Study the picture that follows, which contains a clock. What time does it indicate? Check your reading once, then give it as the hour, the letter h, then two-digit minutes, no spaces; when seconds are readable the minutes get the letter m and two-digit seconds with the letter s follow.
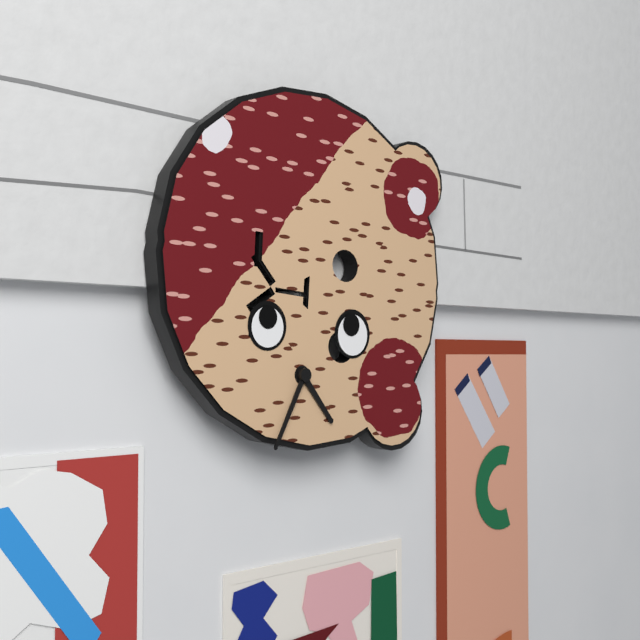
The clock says 4h34
